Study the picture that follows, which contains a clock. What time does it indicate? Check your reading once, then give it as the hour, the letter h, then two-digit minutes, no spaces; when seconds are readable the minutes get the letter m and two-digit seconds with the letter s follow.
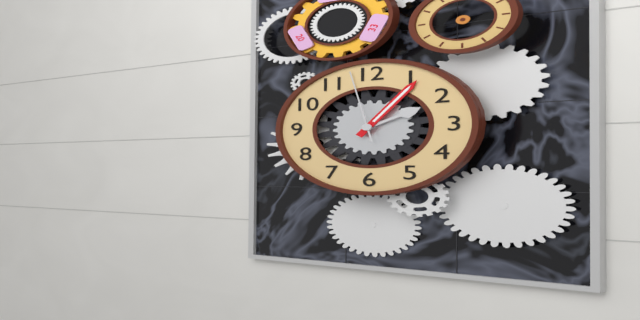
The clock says 2h06m58s
